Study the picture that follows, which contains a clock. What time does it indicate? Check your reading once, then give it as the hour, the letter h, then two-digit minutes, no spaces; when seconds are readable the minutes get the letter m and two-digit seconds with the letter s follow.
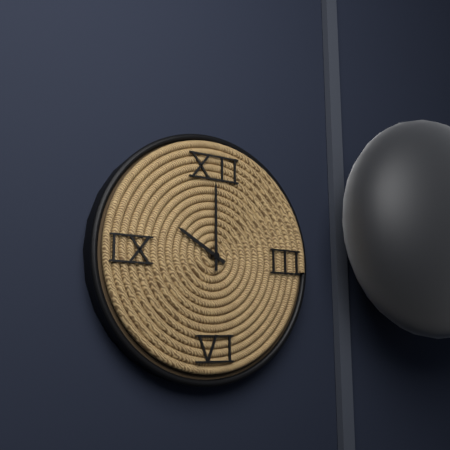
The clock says 10h00
